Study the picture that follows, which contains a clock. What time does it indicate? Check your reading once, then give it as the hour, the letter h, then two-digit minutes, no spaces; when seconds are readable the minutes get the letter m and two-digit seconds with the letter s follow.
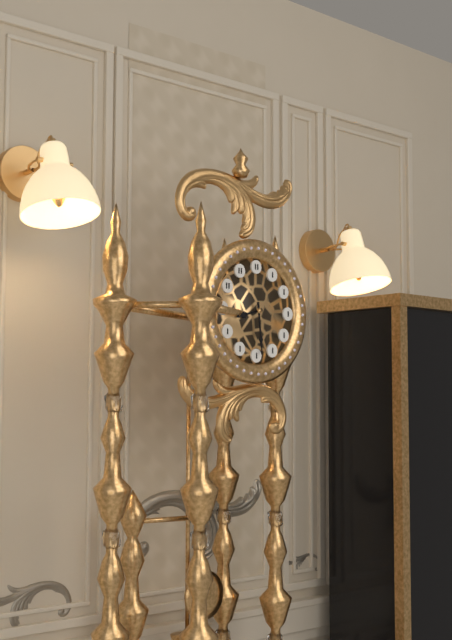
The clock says 8h29
